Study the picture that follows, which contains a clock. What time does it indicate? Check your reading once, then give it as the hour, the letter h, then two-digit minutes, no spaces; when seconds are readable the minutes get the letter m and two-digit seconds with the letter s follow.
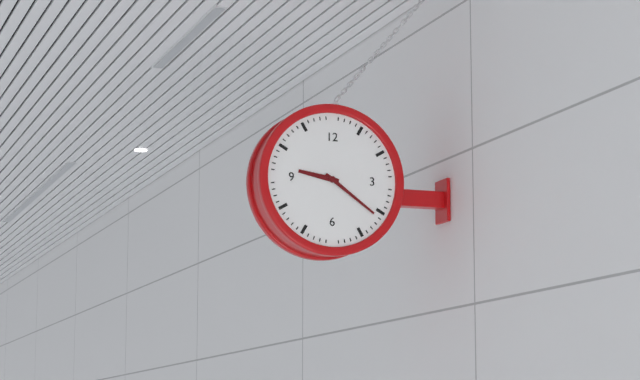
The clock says 9h21
